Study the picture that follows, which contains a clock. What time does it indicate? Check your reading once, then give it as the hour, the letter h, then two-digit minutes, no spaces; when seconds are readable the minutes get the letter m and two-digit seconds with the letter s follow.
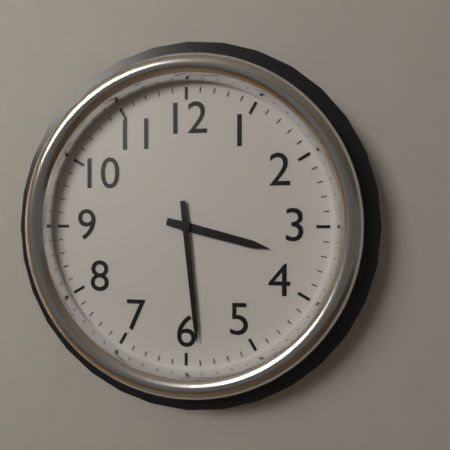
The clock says 3h29
